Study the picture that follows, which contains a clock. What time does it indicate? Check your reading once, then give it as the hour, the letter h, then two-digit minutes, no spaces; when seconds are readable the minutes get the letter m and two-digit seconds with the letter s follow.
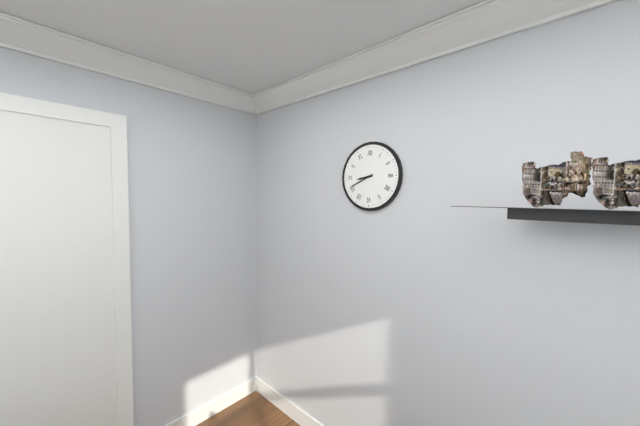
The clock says 8h41
